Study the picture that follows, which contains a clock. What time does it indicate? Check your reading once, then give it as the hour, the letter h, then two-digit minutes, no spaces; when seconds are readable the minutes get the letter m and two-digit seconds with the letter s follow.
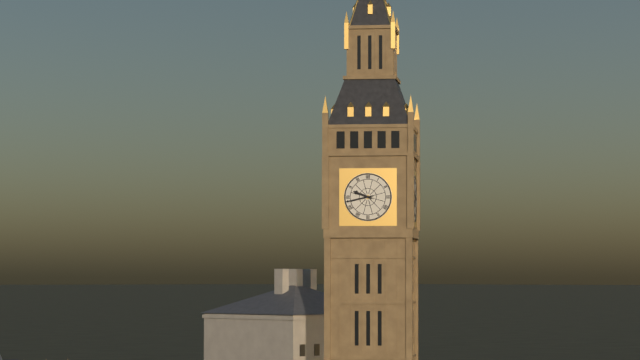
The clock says 9h43
